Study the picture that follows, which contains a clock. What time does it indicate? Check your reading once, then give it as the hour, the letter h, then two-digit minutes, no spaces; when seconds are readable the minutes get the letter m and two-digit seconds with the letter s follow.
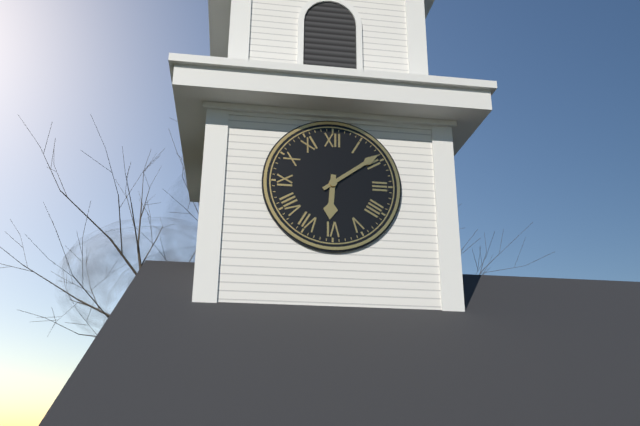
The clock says 6h09
